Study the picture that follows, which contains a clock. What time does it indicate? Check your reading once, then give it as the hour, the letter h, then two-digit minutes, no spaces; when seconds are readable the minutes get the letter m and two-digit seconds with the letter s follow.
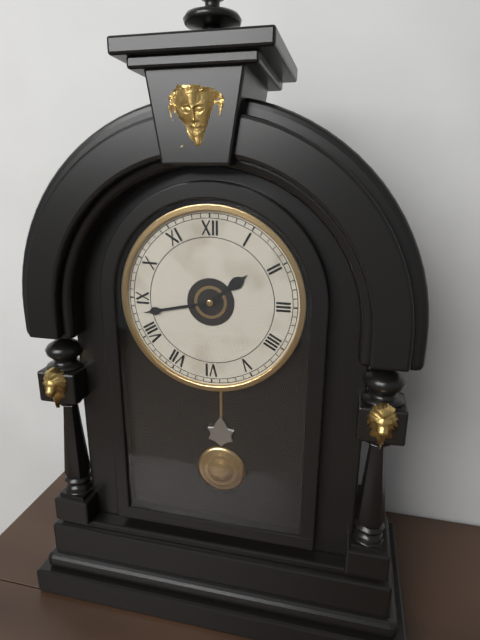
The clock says 1h43
